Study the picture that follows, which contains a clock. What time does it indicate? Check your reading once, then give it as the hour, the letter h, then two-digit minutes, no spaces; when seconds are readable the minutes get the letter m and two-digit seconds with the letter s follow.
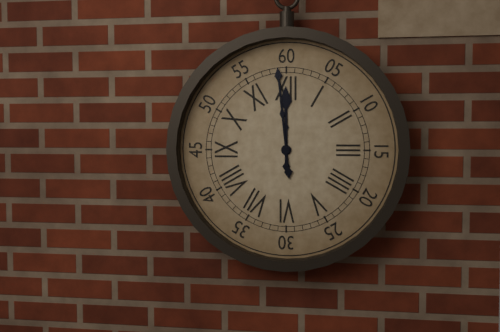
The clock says 11h59
